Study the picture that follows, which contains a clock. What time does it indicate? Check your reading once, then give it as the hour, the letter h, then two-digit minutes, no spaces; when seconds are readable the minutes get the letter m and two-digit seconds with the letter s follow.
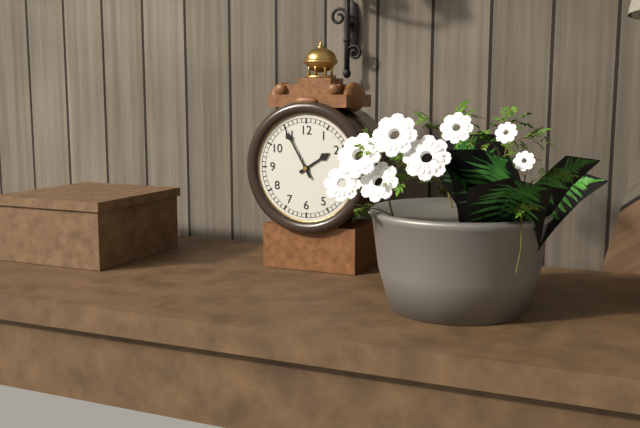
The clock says 1h55
